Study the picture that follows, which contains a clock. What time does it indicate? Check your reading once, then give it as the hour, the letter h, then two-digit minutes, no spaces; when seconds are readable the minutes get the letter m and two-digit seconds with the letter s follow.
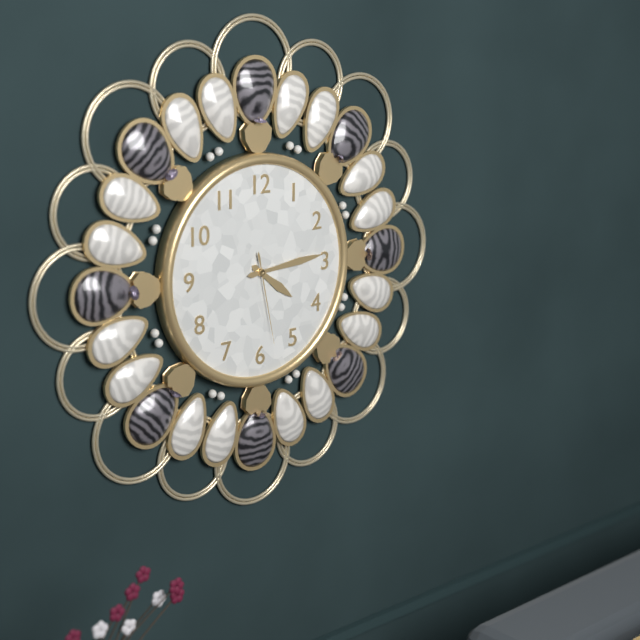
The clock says 4h14m28s
